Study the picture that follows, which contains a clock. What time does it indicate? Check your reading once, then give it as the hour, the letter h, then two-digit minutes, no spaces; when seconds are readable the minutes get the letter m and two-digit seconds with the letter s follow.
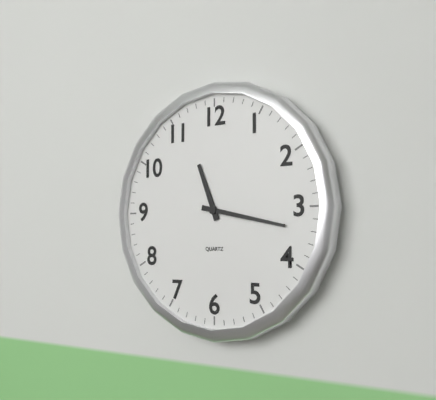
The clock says 11h17
